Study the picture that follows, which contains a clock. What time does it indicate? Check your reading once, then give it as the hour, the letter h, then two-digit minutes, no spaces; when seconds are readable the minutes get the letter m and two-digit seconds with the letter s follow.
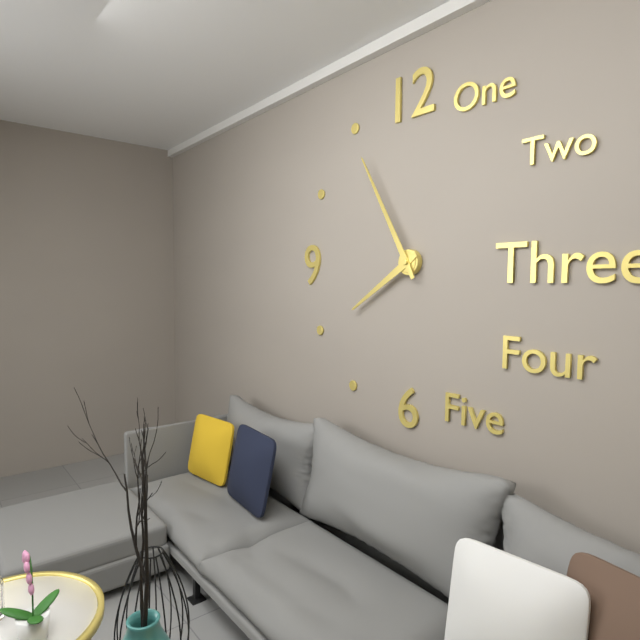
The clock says 7h55
